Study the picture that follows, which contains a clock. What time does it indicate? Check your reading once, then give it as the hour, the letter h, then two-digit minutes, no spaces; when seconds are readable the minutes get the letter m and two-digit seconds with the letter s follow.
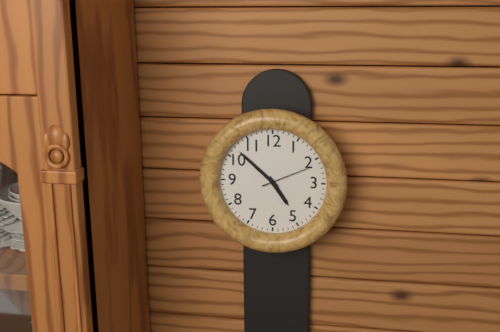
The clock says 4h52m11s
